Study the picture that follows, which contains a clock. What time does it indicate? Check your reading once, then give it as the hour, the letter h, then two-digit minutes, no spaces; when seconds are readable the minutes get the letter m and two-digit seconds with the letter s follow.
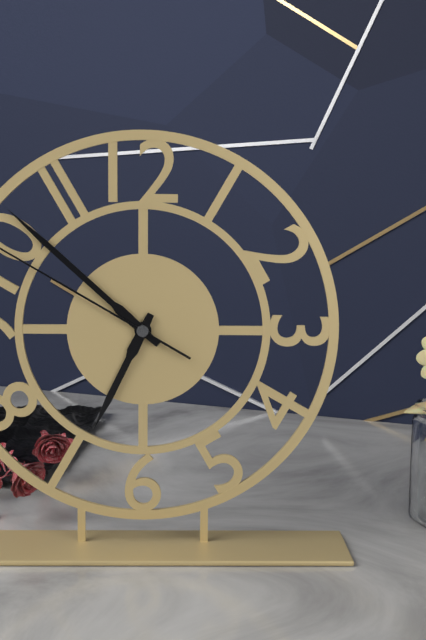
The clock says 6h52
